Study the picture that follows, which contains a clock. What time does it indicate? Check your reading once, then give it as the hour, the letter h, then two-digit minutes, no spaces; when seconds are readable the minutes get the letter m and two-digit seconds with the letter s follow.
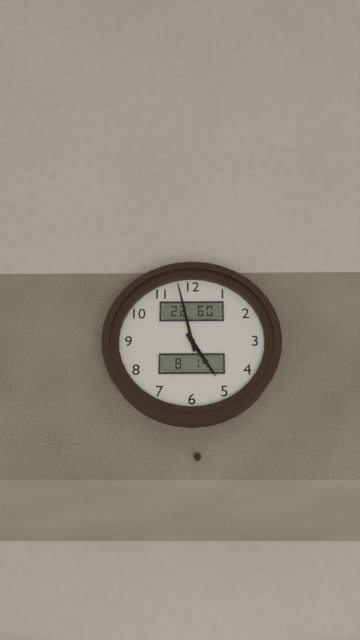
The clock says 4h58
